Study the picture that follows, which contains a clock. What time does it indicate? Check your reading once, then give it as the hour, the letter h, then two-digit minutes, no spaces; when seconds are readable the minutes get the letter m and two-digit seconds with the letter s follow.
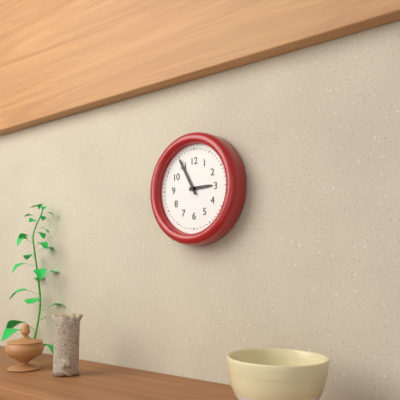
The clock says 2h55
